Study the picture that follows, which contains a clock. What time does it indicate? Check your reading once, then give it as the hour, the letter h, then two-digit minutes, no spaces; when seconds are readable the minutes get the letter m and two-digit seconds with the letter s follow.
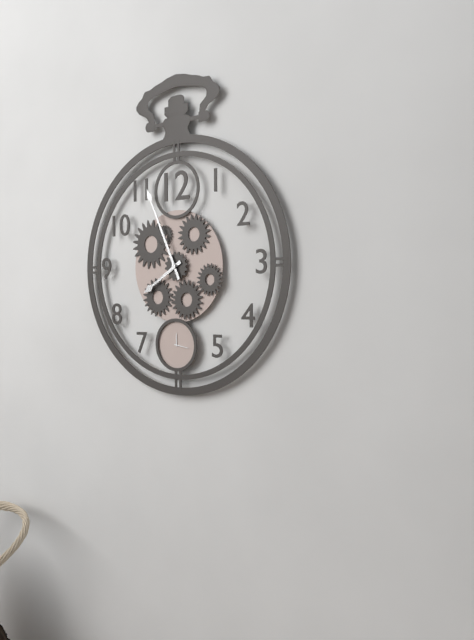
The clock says 7h56
